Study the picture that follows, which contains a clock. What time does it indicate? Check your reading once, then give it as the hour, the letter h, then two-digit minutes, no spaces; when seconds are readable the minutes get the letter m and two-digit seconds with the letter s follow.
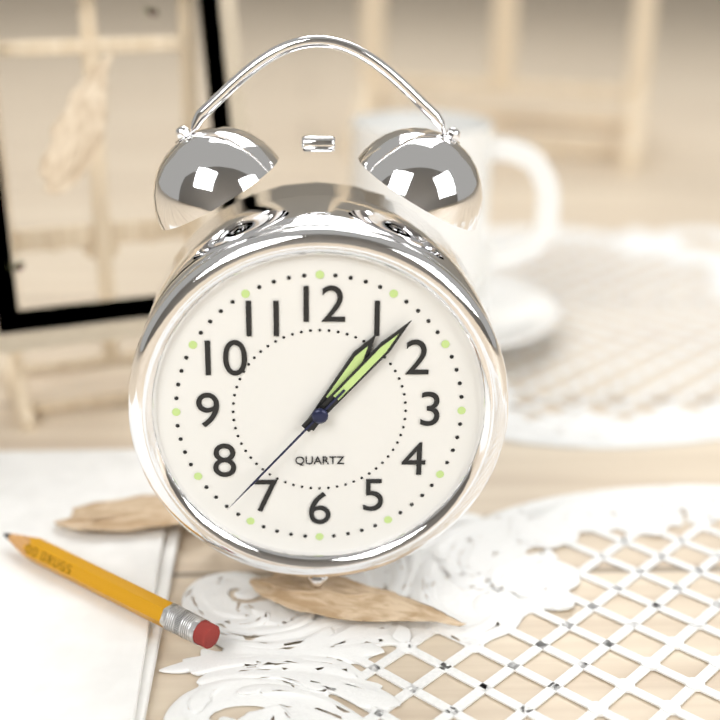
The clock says 1h07m37s
